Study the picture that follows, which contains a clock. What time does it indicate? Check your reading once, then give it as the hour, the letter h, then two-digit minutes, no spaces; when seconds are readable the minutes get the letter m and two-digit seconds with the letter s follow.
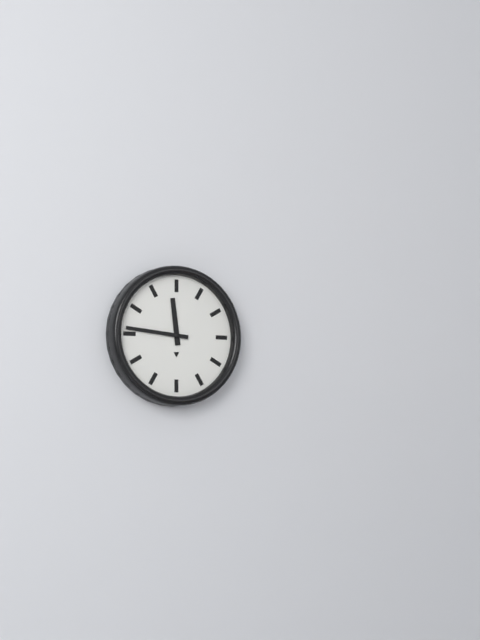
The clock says 11h46
